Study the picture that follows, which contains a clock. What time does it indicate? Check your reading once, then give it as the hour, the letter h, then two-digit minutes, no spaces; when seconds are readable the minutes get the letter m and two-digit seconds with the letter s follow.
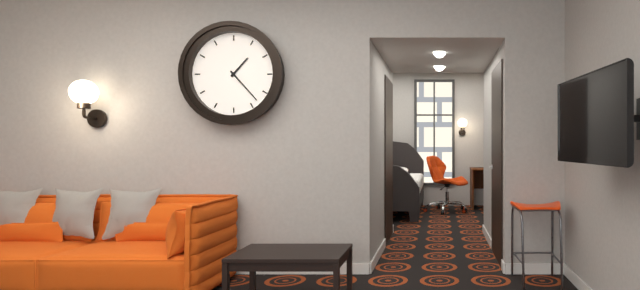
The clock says 1h23
